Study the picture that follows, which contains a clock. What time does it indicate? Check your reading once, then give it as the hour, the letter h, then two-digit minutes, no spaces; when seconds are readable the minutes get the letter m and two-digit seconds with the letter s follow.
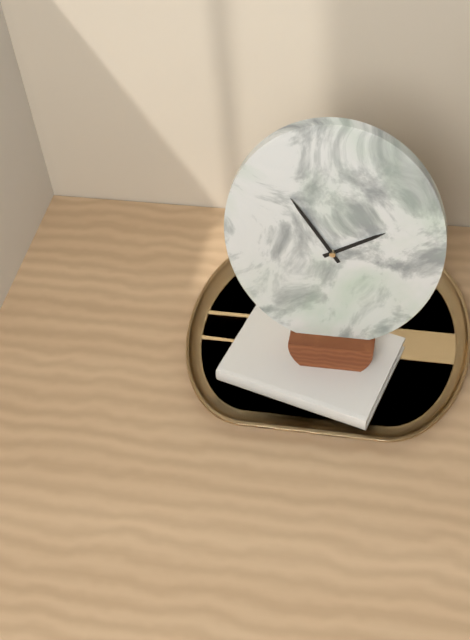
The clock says 1h55
